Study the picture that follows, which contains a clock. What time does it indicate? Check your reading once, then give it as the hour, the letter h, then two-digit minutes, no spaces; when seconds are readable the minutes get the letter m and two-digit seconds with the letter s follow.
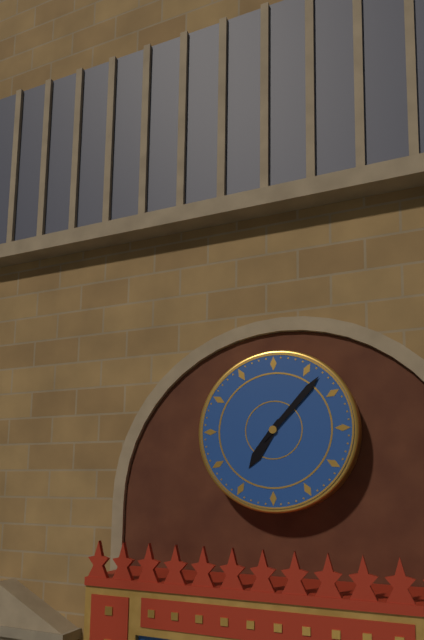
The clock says 7h07
